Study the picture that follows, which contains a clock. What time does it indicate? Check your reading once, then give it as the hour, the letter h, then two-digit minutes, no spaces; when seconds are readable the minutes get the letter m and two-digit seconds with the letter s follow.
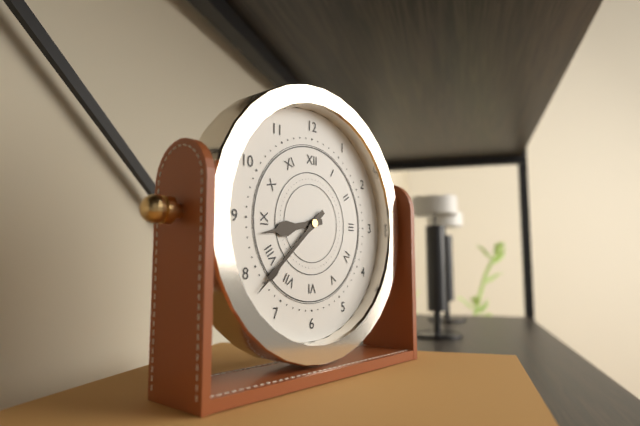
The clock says 8h38
